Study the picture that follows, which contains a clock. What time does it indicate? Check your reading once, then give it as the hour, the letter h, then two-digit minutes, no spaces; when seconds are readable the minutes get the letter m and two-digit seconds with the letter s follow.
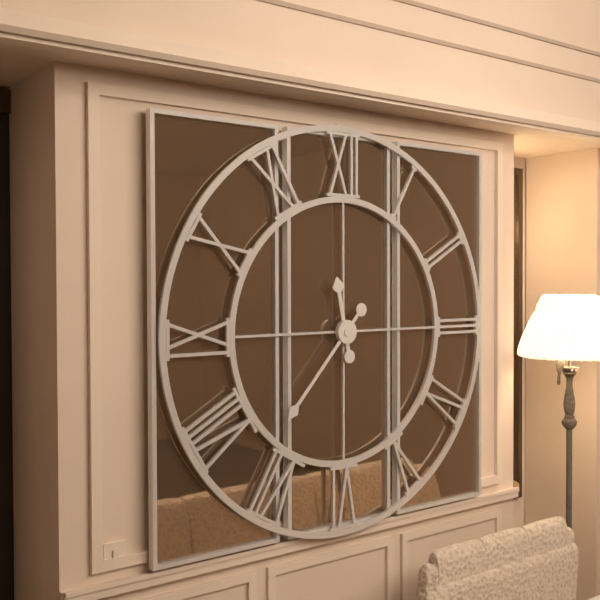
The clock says 11h37
